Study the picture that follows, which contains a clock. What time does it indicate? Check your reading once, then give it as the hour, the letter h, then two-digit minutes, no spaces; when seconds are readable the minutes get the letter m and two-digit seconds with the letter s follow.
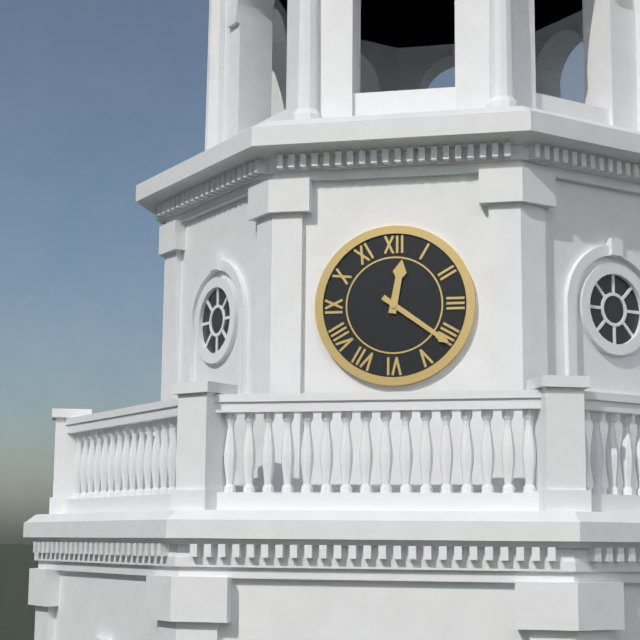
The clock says 12h21
